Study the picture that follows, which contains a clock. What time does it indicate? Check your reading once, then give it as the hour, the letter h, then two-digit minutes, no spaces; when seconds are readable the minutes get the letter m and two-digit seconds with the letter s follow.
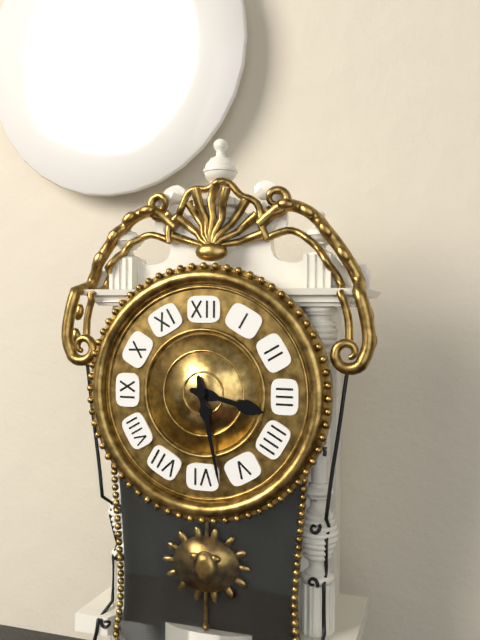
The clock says 3h28
